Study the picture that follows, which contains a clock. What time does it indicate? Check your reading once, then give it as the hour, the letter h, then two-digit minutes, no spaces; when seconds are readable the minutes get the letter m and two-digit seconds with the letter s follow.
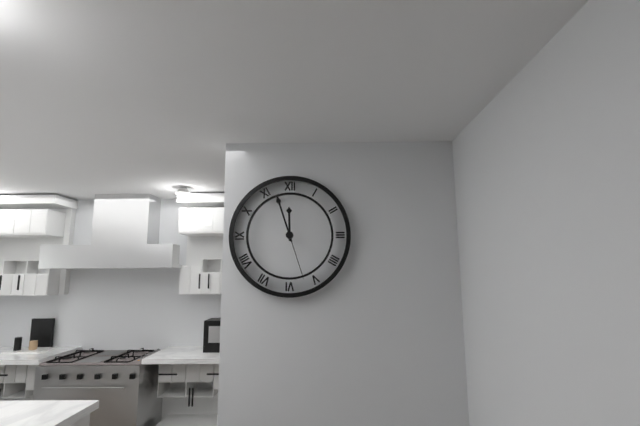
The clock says 11h57m27s
